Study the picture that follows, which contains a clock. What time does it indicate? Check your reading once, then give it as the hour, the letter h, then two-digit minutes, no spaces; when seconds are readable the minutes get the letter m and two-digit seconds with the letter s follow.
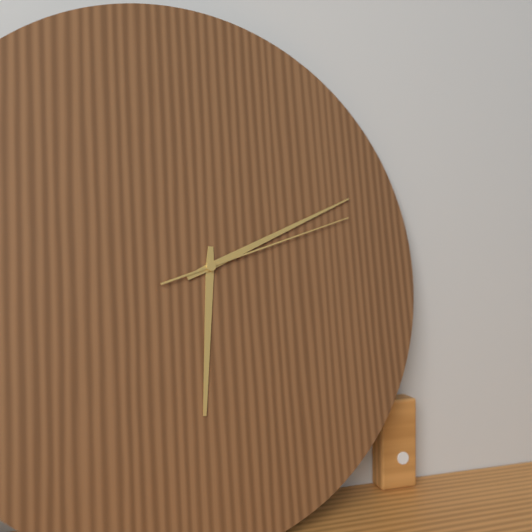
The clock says 6h11m12s
